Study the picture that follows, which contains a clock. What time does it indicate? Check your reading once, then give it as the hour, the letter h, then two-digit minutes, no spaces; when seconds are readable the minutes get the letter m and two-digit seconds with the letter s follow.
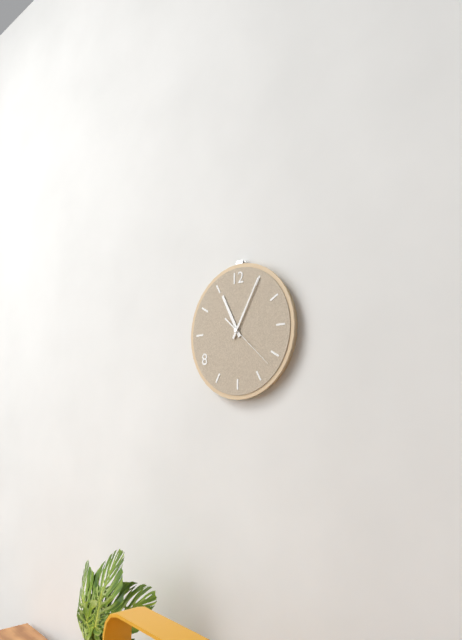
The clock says 11h05m22s
